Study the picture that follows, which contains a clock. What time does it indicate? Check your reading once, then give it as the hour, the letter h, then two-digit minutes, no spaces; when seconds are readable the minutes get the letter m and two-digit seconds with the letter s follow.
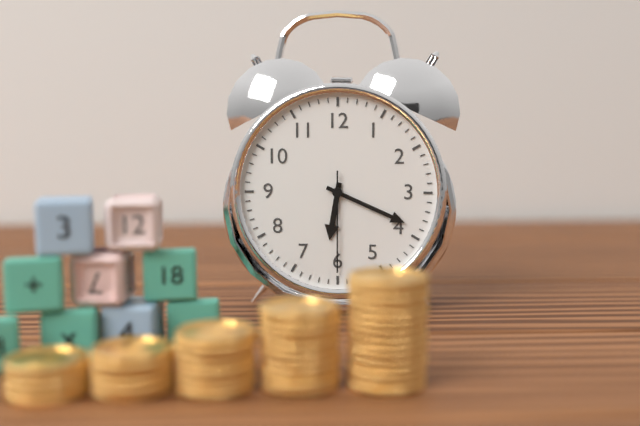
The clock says 6h19m30s
